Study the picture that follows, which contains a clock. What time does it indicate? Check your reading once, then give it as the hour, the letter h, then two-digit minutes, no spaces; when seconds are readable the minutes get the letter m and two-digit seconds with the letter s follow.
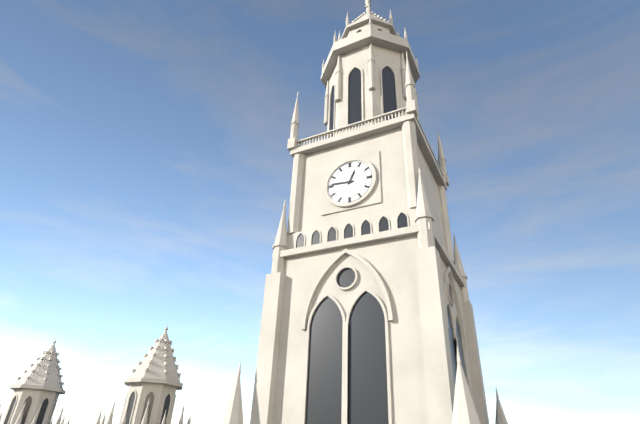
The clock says 12h46
